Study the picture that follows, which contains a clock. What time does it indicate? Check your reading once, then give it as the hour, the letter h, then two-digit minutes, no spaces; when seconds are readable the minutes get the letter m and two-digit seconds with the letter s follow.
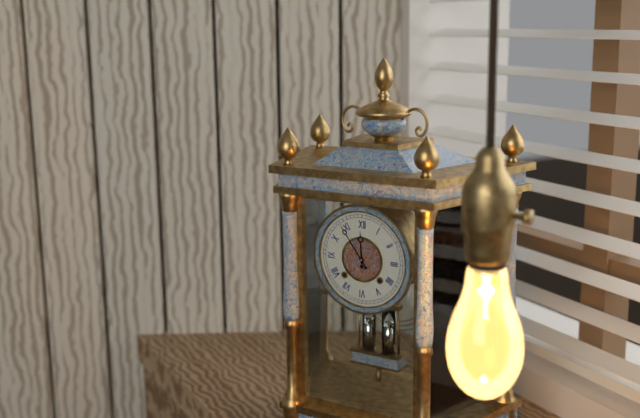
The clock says 11h54
